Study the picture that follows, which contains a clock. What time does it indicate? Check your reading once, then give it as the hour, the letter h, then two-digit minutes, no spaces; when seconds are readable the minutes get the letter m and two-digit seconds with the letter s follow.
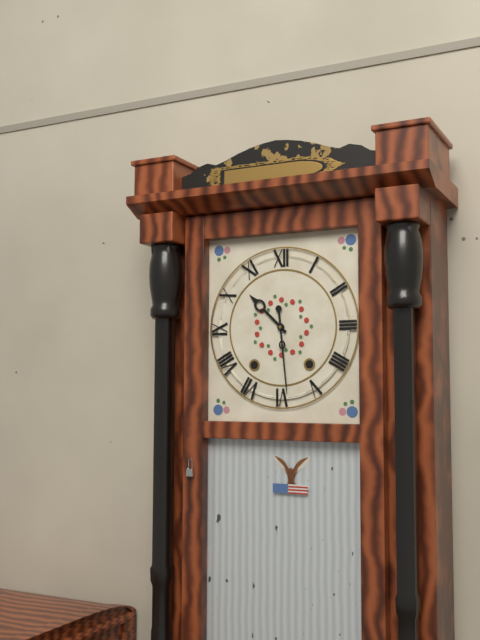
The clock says 10h29
